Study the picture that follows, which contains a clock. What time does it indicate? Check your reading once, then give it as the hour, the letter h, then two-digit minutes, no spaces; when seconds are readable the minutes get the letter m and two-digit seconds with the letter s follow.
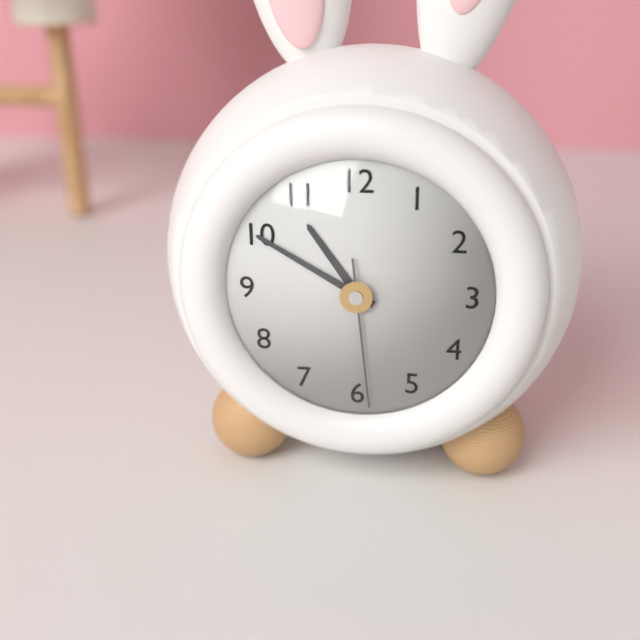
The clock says 10h50m29s
